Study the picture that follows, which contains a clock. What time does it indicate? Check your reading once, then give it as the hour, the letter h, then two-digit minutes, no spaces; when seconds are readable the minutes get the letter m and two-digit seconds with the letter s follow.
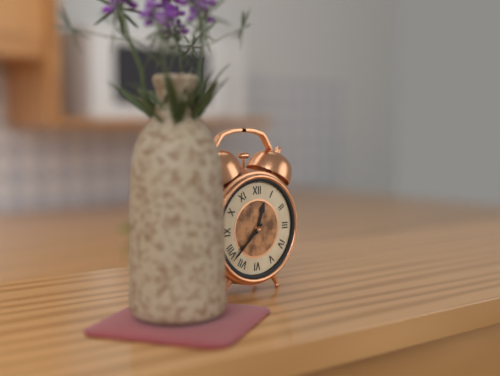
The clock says 12h38
